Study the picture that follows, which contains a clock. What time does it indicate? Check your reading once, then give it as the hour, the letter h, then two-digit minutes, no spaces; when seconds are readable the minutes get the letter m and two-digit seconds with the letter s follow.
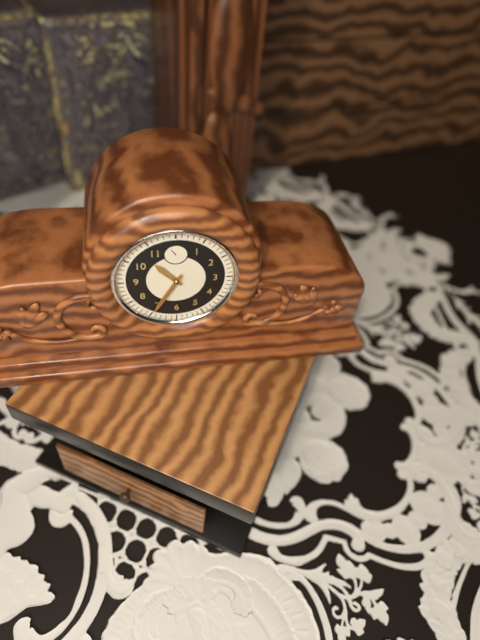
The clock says 10h35
